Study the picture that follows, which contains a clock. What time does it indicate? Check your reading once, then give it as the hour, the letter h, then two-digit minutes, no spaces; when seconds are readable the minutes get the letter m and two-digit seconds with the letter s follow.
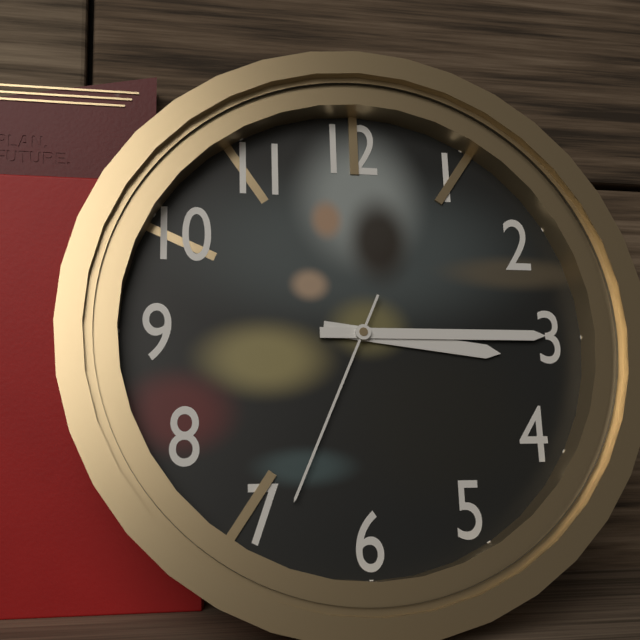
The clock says 3h15m34s
